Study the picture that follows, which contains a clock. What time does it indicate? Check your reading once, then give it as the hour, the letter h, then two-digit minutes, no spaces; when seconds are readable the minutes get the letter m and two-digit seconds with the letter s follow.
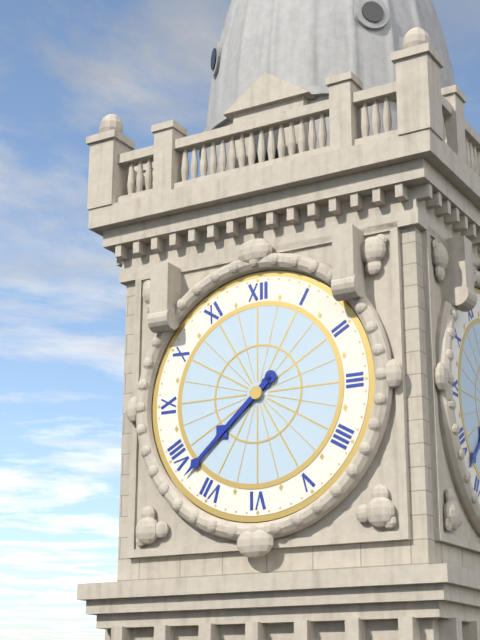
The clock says 7h38
